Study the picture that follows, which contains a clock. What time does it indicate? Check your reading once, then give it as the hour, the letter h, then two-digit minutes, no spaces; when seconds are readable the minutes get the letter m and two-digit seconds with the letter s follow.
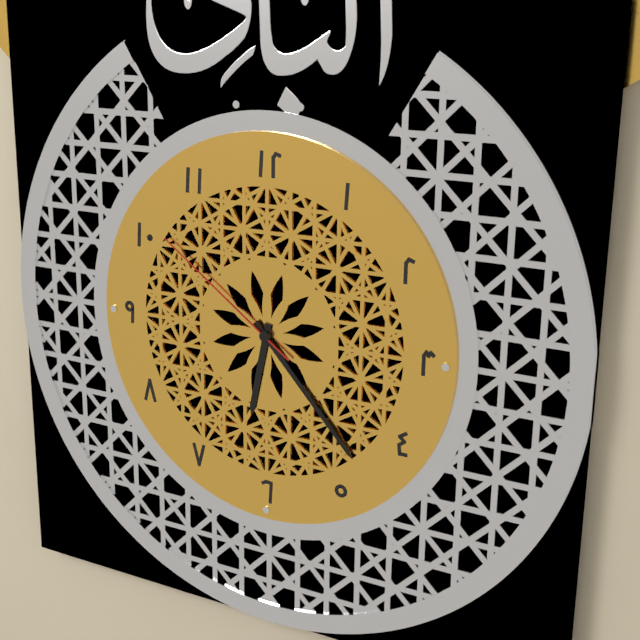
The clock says 6h23m51s
